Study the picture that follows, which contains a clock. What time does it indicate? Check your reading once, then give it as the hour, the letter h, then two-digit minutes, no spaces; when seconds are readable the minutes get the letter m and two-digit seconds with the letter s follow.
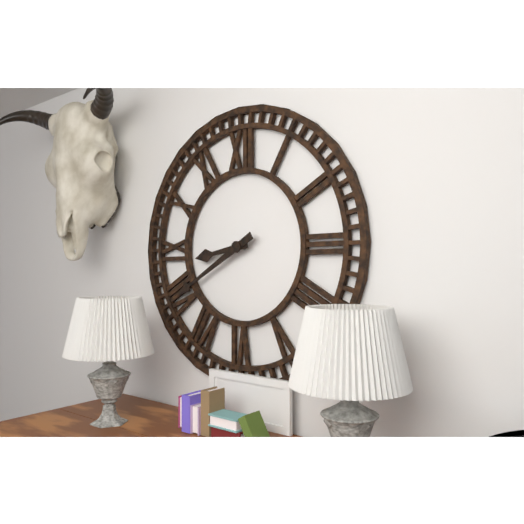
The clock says 8h40
